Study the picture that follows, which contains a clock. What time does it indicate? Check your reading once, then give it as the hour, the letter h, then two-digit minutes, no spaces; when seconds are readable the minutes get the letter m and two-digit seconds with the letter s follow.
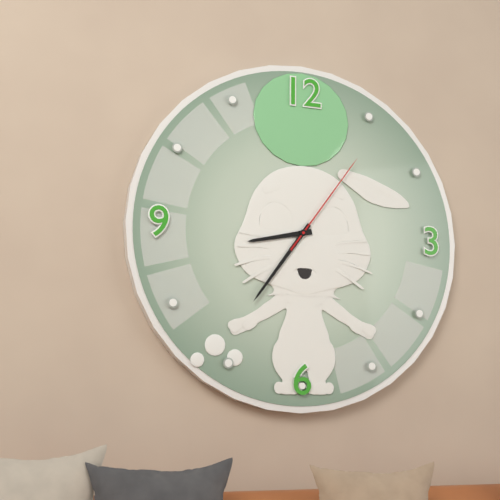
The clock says 8h36m06s
